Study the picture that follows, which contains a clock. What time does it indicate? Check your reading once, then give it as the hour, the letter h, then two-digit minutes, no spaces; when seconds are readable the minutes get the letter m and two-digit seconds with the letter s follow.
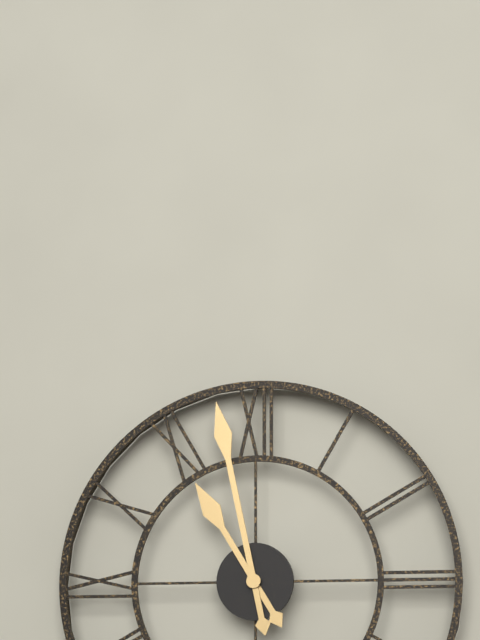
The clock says 10h58
